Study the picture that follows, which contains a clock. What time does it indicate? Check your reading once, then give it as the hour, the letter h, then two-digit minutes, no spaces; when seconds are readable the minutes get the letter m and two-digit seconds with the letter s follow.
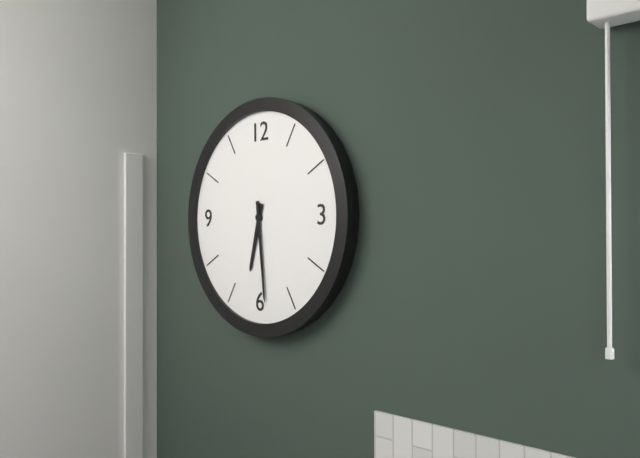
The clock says 6h29
